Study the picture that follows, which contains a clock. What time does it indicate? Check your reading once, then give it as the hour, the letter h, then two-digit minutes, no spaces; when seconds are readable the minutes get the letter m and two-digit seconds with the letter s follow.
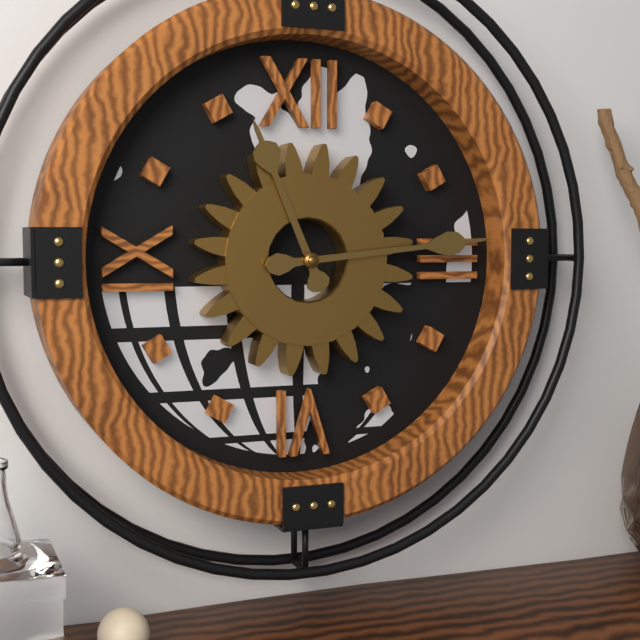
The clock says 11h14
